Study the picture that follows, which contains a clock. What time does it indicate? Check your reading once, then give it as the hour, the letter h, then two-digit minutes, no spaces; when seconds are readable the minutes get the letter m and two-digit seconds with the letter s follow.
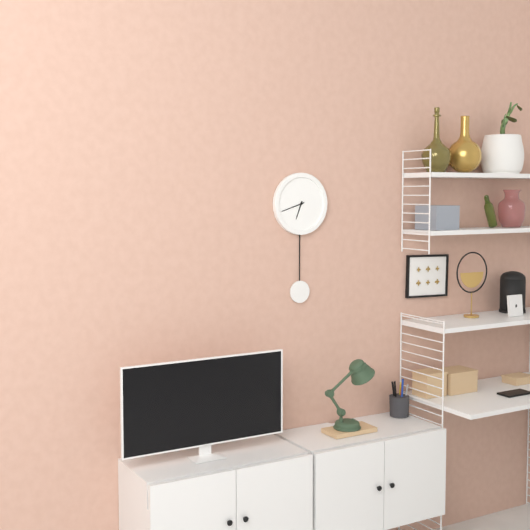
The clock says 6h42
